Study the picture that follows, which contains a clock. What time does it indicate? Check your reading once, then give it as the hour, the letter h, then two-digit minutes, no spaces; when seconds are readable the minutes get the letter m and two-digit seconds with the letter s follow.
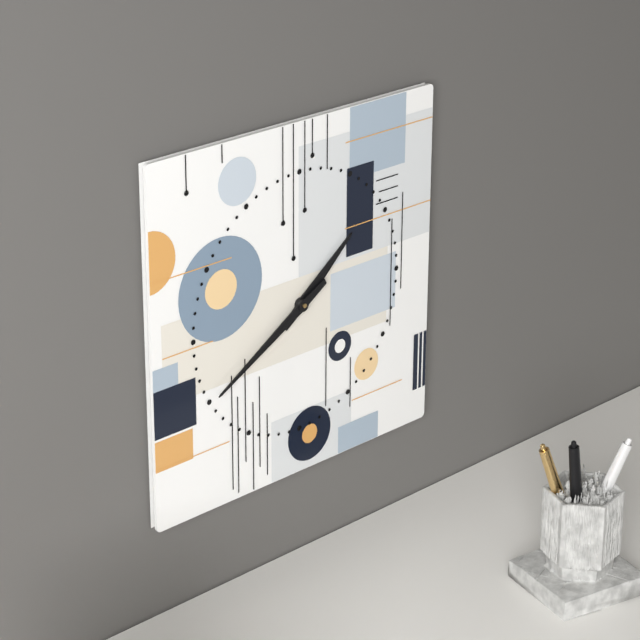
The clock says 1h40
